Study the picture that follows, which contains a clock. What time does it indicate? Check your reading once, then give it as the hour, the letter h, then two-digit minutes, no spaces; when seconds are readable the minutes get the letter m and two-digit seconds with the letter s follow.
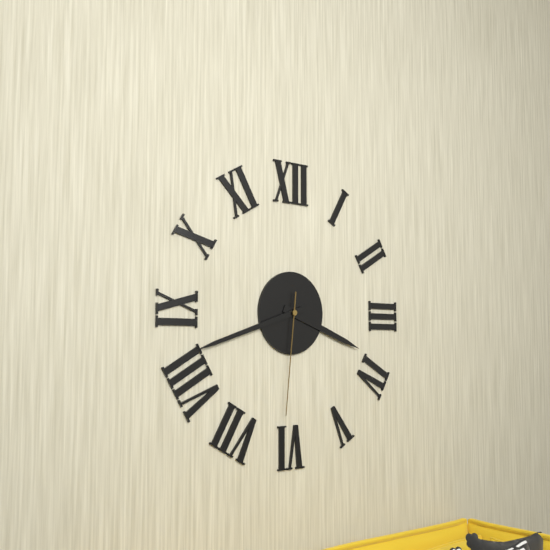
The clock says 3h42m31s
